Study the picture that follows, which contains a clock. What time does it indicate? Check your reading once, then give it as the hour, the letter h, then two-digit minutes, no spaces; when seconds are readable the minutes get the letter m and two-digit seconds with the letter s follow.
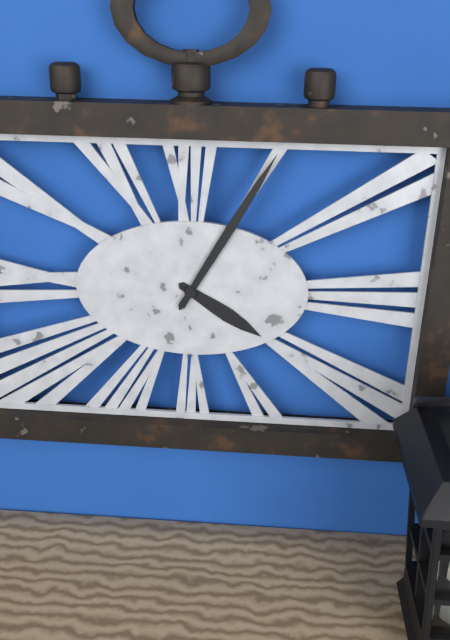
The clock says 4h05
